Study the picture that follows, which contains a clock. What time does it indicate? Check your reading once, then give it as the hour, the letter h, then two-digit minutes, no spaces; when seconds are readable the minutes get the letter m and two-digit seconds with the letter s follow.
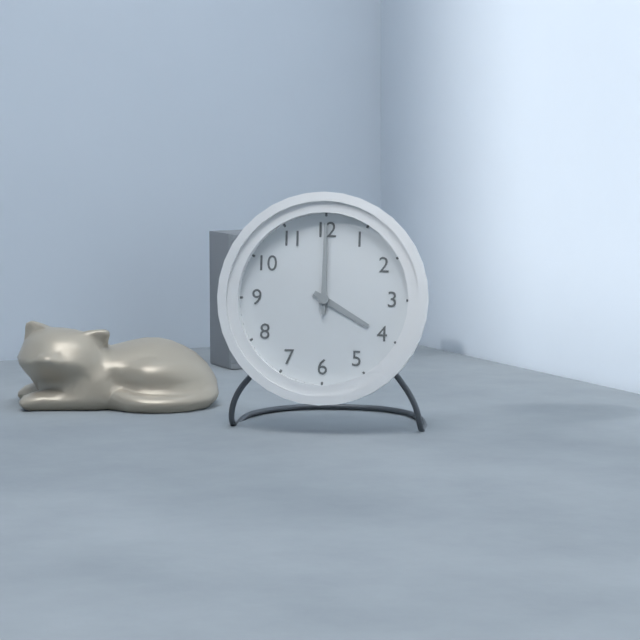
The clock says 4h00
